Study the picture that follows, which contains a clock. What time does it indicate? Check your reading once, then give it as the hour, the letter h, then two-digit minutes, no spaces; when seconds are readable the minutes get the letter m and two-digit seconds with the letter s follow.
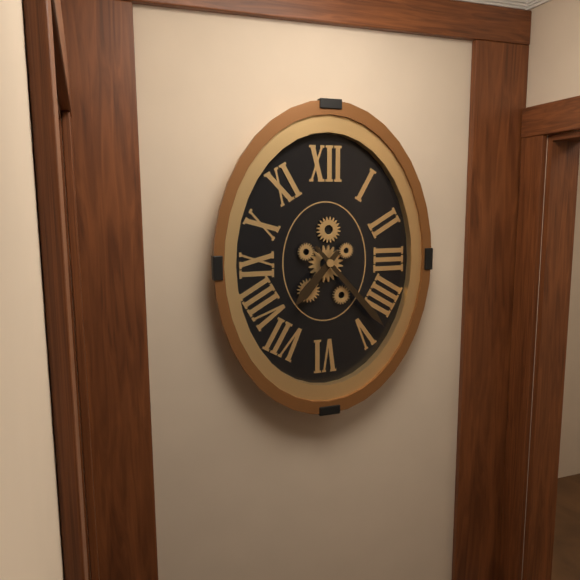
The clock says 7h23
